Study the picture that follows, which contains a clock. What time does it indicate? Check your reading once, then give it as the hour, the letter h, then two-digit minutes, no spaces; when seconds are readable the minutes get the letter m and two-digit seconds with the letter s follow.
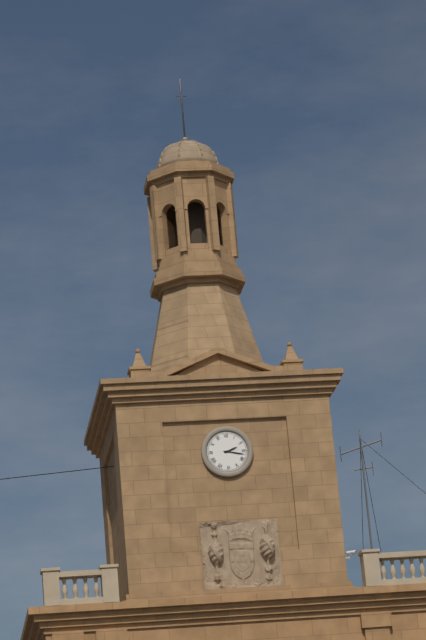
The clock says 2h17
